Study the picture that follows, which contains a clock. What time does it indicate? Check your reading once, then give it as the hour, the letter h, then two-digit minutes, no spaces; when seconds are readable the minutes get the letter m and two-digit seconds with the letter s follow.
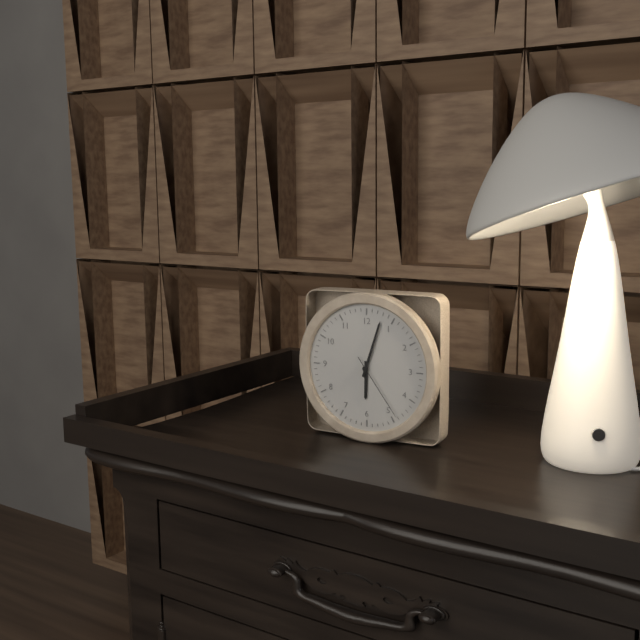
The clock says 6h03m24s
